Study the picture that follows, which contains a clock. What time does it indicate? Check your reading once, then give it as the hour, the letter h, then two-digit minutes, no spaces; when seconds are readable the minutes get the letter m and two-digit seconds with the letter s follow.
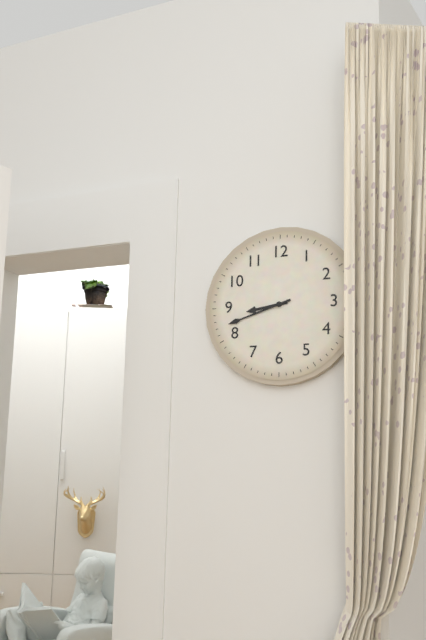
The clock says 8h42
